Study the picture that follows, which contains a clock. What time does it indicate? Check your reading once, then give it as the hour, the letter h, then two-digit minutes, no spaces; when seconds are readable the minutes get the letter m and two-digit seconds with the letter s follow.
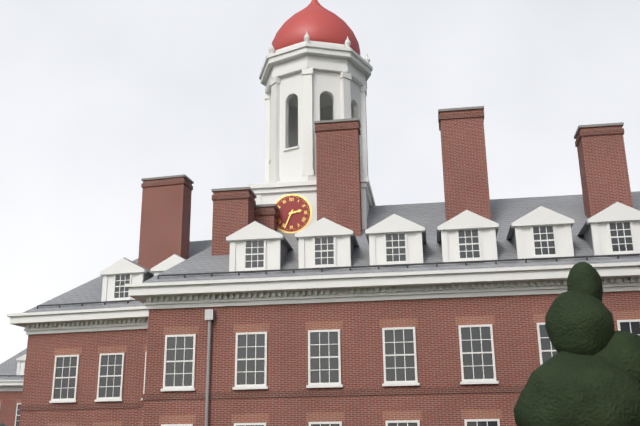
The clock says 2h34
